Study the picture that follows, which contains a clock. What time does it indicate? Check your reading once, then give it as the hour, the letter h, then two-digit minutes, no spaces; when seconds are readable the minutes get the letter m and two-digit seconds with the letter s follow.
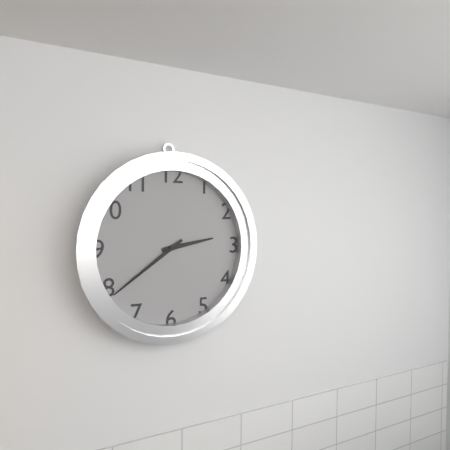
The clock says 2h39
